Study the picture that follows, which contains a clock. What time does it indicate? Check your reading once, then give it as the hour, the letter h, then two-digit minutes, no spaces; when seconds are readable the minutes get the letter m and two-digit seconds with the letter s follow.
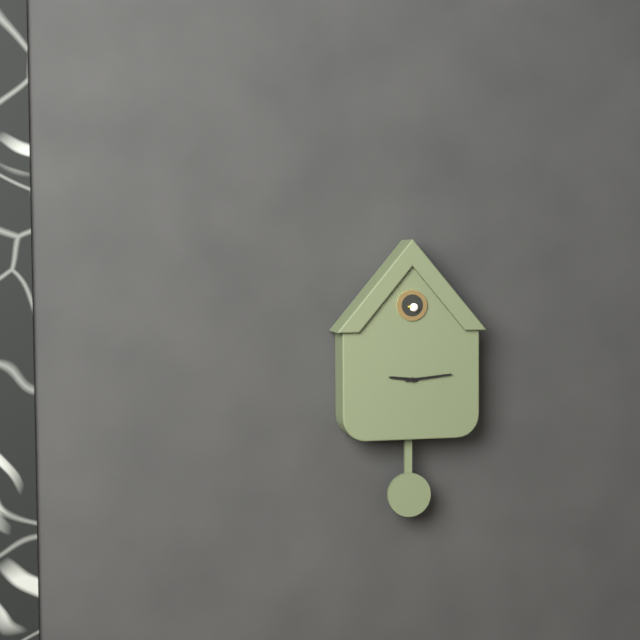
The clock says 9h14
